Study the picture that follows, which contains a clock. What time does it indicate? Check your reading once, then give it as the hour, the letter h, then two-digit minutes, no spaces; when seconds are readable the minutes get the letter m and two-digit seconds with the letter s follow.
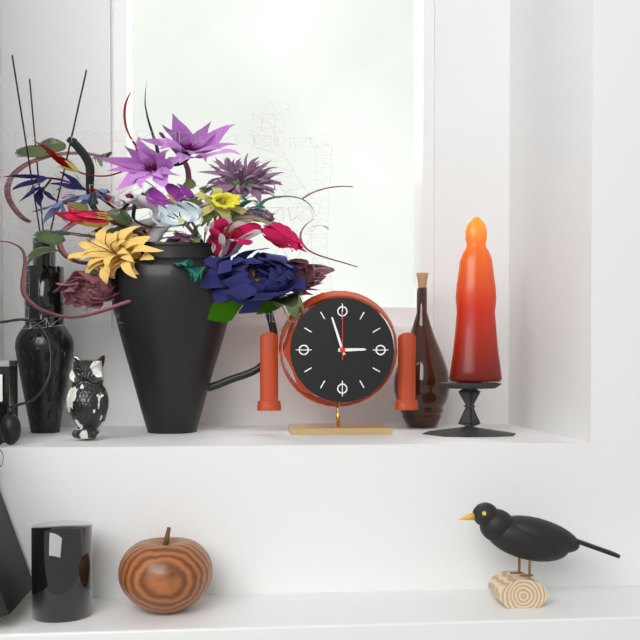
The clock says 2h57
